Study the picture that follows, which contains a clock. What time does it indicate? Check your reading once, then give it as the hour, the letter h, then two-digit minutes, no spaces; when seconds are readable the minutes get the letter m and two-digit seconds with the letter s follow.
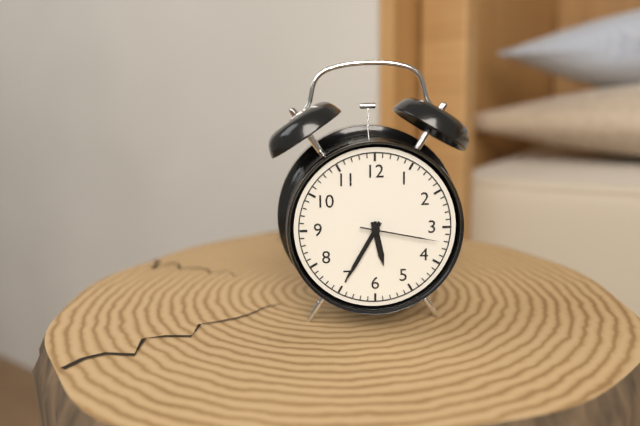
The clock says 5h35m17s
